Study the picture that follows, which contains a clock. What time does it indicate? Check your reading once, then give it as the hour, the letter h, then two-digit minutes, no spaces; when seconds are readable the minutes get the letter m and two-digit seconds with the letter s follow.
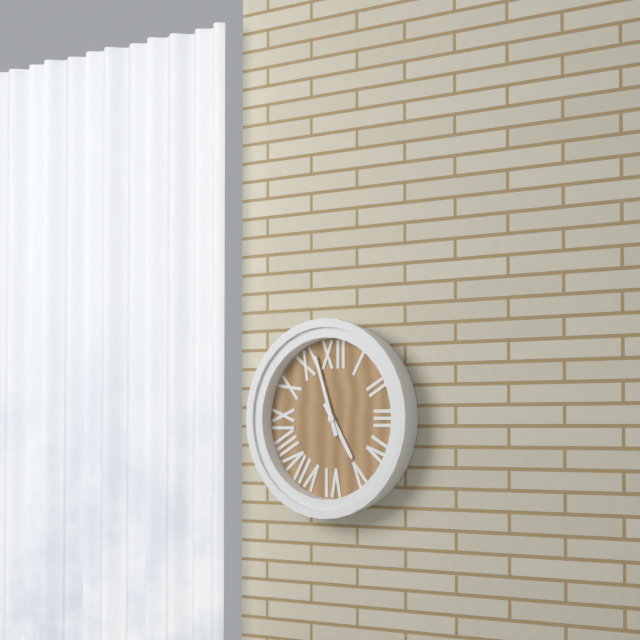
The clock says 4h57
